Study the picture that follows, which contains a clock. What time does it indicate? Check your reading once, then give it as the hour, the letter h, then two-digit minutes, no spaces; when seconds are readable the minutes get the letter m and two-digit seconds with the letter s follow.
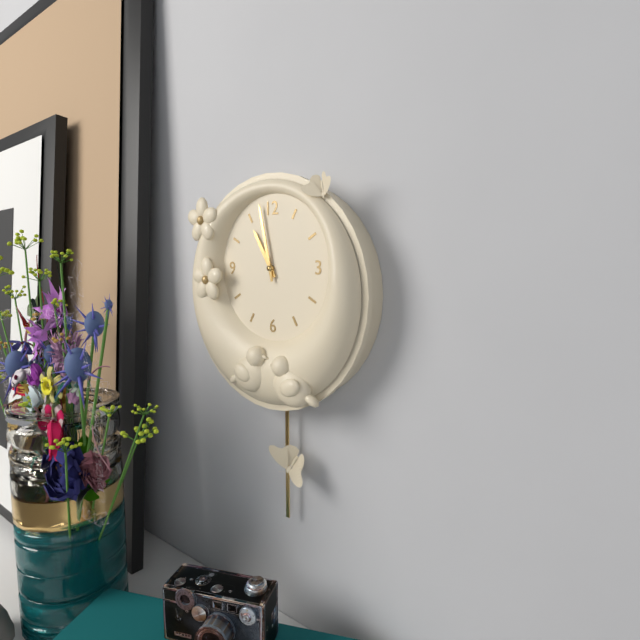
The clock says 10h58
